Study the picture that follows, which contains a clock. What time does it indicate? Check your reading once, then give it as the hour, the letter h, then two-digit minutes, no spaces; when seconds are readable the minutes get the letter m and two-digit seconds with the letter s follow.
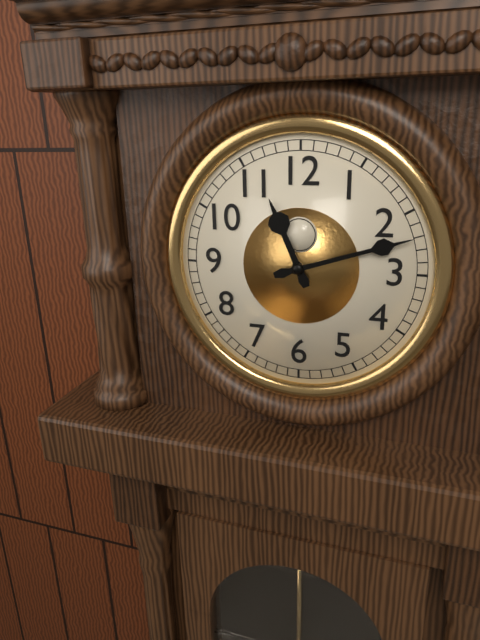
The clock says 11h12
